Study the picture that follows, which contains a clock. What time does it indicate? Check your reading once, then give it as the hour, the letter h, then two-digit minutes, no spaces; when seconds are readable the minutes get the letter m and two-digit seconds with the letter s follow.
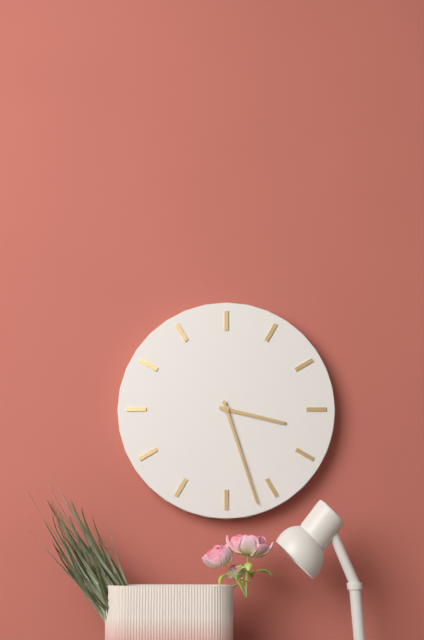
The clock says 3h27
